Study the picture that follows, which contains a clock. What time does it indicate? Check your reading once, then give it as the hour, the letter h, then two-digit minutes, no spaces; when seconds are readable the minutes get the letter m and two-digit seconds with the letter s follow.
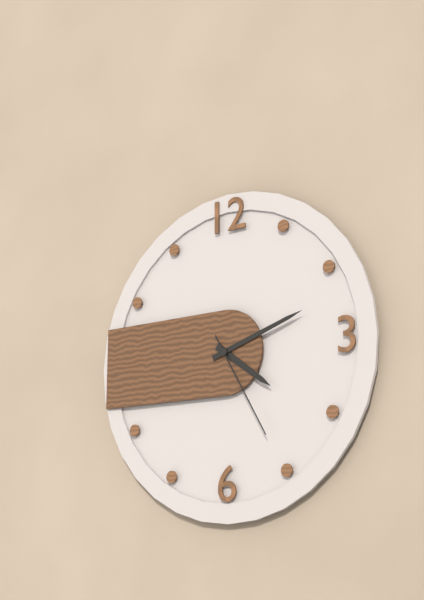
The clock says 4h12m25s
